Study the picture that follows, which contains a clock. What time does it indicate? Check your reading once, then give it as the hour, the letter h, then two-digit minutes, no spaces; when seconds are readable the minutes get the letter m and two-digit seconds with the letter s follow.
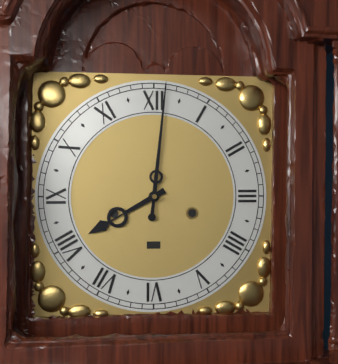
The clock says 8h01
